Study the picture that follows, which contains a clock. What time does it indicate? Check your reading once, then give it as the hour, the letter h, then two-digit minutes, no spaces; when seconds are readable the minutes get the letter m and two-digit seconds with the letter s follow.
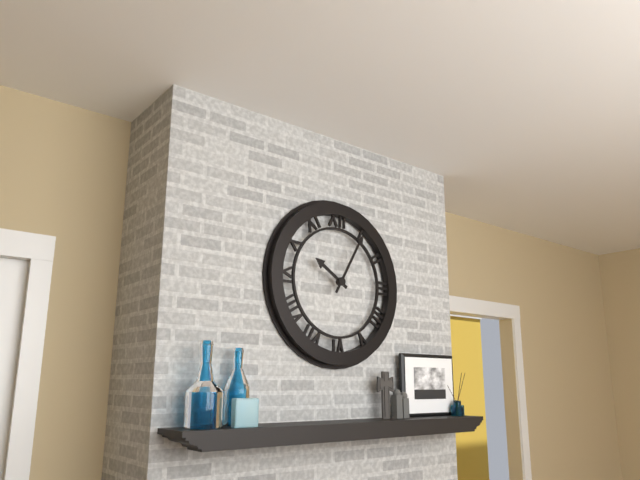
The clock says 10h05
